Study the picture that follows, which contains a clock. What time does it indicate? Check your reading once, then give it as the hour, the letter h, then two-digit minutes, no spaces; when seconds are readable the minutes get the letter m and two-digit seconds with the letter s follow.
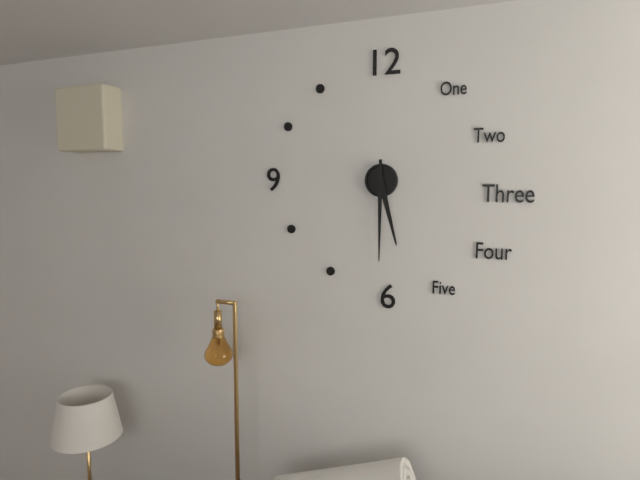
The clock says 5h30
